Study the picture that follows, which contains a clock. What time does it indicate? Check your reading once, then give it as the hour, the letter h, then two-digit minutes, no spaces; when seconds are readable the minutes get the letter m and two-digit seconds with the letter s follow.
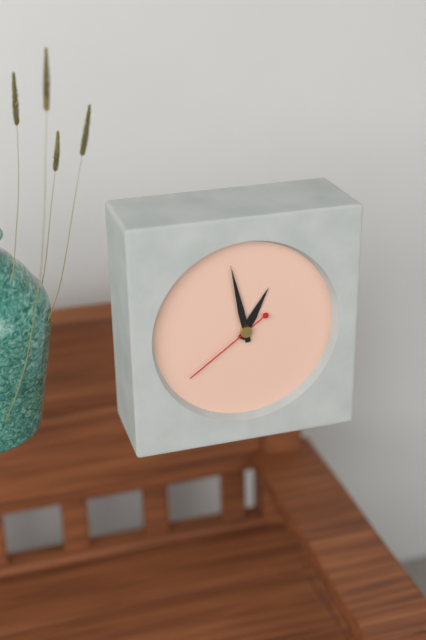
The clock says 12h58m39s
